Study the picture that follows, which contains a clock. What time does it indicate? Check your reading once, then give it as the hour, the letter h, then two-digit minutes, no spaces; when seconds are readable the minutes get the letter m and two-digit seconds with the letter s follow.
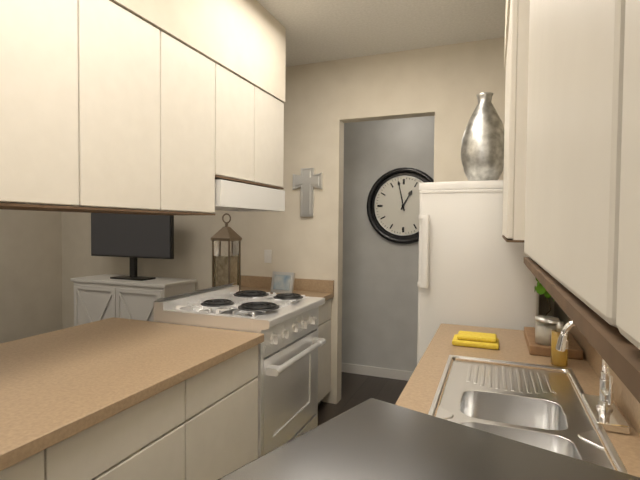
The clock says 12h58
